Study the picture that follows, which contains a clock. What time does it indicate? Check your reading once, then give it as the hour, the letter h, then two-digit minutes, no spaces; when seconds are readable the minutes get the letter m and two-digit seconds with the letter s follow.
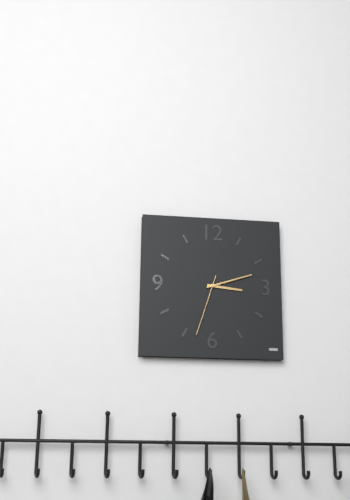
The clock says 3h12m33s
